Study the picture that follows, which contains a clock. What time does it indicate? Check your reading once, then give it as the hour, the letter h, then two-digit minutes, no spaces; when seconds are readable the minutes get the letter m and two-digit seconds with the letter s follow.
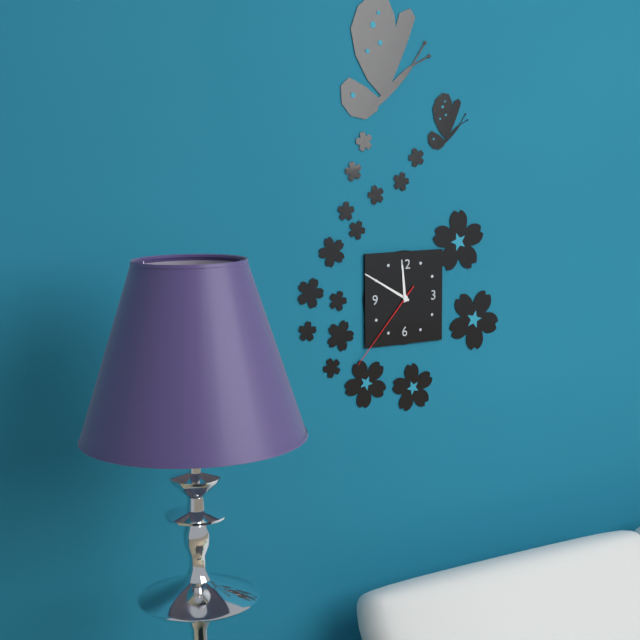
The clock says 11h50m37s
